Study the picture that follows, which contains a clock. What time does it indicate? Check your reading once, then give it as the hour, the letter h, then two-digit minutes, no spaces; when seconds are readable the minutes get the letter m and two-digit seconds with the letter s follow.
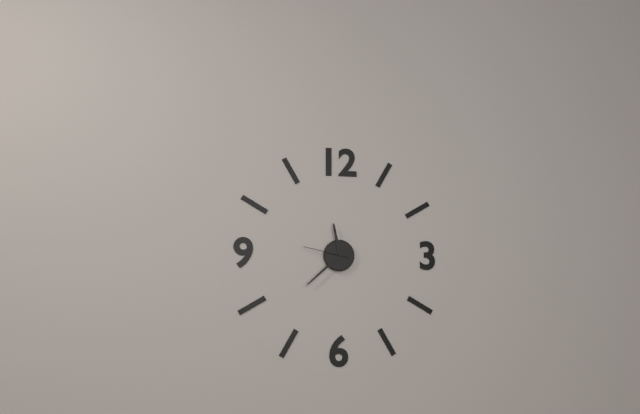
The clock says 11h38
